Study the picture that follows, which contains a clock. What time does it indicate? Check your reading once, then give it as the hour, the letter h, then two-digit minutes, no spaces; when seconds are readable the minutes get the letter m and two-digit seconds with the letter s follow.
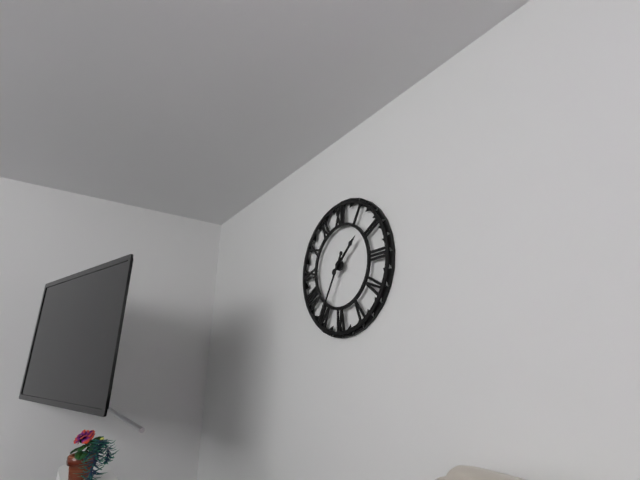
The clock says 1h35
